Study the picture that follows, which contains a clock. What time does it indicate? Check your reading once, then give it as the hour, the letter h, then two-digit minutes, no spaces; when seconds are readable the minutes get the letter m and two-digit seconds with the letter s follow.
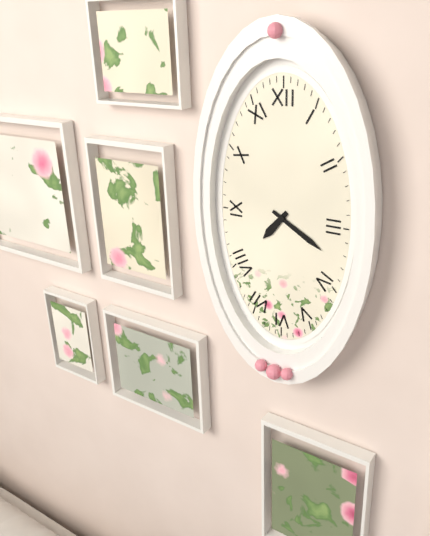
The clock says 7h20
